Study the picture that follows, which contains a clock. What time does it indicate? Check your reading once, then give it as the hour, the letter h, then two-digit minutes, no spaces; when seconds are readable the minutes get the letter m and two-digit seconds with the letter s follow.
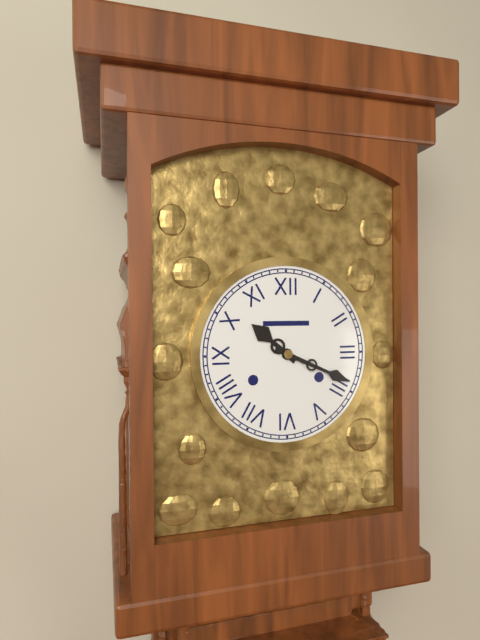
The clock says 10h19
